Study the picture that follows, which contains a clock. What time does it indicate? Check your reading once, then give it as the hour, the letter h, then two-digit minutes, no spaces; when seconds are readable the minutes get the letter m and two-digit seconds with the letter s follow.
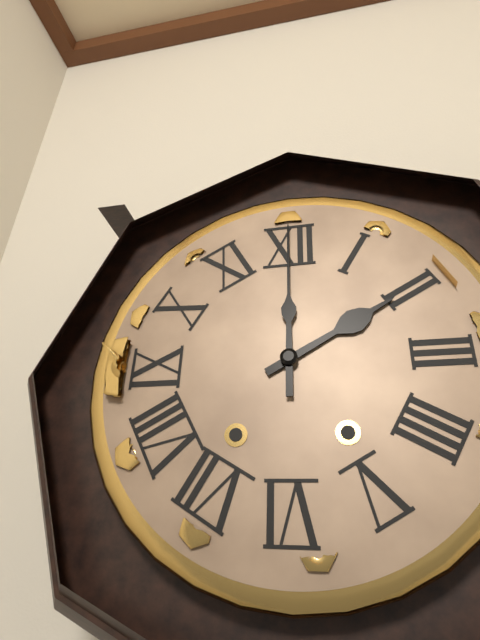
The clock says 2h00
